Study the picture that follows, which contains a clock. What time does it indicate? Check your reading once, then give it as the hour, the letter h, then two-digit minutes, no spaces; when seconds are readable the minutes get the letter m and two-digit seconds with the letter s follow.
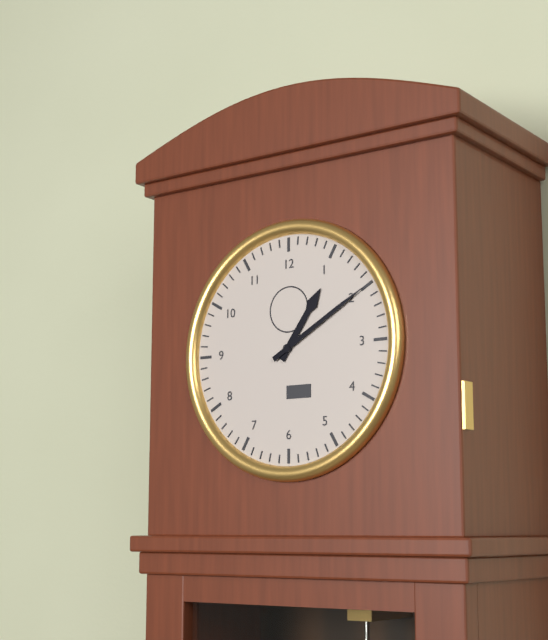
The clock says 1h10
